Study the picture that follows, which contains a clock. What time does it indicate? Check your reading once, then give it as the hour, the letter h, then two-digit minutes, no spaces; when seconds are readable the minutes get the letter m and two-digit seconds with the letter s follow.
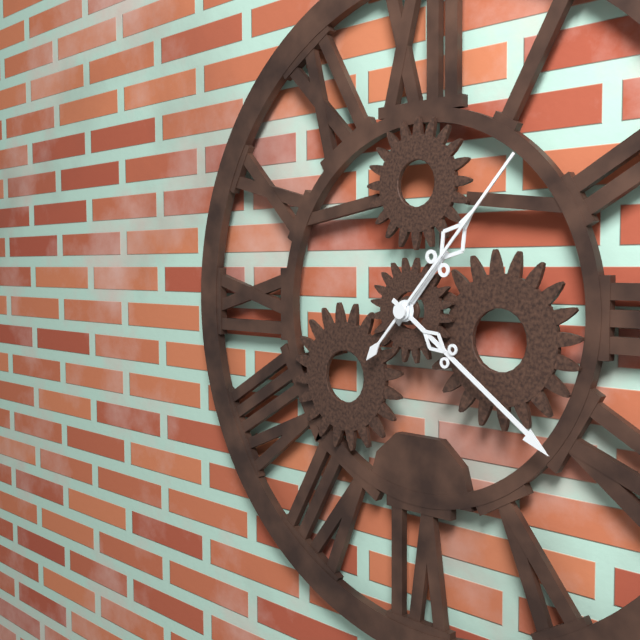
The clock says 1h21m07s
